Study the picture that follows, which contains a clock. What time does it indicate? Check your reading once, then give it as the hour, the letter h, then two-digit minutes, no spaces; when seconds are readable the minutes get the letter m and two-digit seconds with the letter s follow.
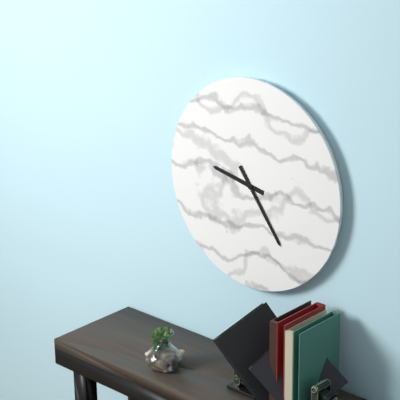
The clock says 9h24
